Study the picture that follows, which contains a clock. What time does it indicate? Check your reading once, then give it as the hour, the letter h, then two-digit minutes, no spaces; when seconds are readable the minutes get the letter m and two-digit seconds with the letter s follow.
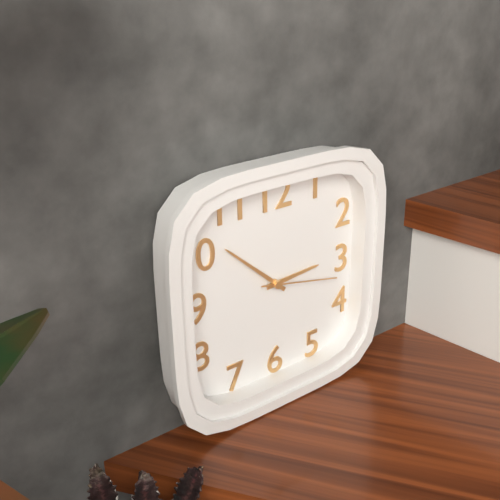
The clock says 2h52m17s
